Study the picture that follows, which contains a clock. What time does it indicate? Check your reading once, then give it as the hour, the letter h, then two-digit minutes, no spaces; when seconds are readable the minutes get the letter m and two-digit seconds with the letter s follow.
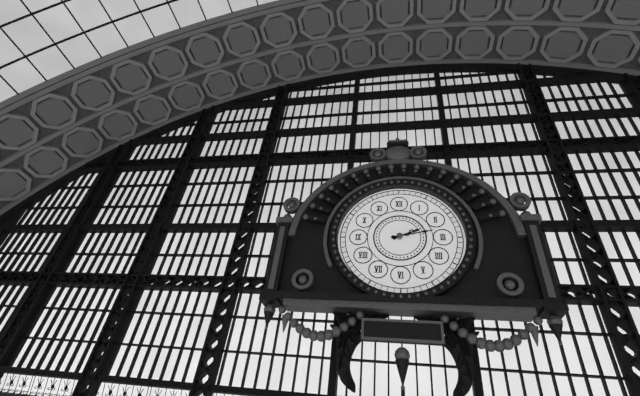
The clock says 2h13
